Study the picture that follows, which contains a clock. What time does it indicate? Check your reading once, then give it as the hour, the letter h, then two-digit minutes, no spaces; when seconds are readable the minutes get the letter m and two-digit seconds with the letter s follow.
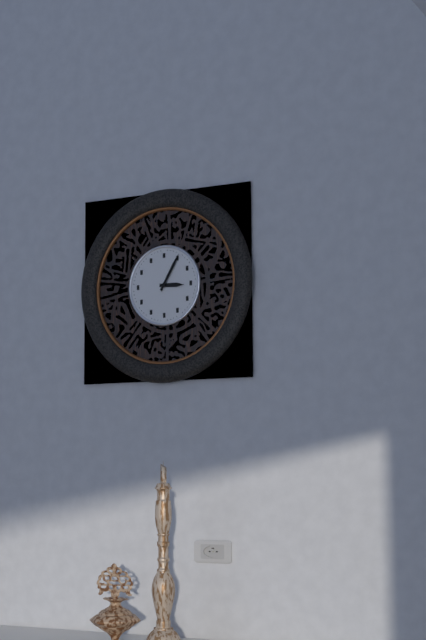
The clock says 3h05
